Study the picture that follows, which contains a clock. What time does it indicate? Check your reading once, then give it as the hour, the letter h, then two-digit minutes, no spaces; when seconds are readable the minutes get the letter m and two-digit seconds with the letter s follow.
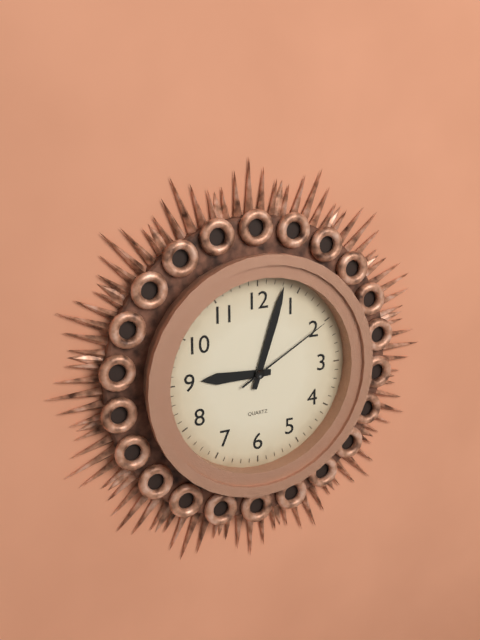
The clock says 9h03m10s
